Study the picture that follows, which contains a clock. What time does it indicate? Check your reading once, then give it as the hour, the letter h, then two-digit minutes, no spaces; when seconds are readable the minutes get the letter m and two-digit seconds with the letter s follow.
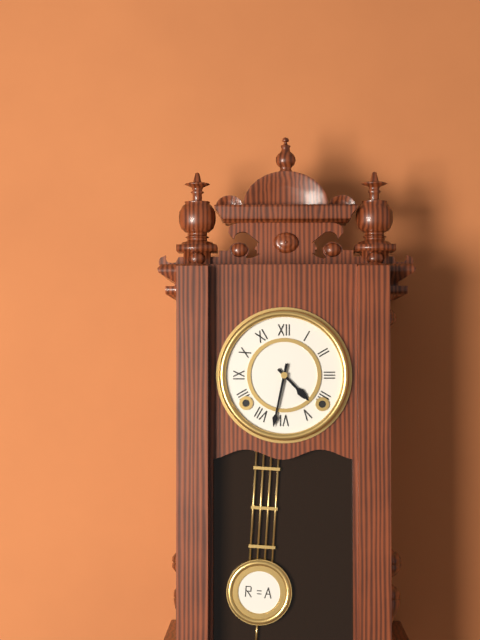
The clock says 4h32
